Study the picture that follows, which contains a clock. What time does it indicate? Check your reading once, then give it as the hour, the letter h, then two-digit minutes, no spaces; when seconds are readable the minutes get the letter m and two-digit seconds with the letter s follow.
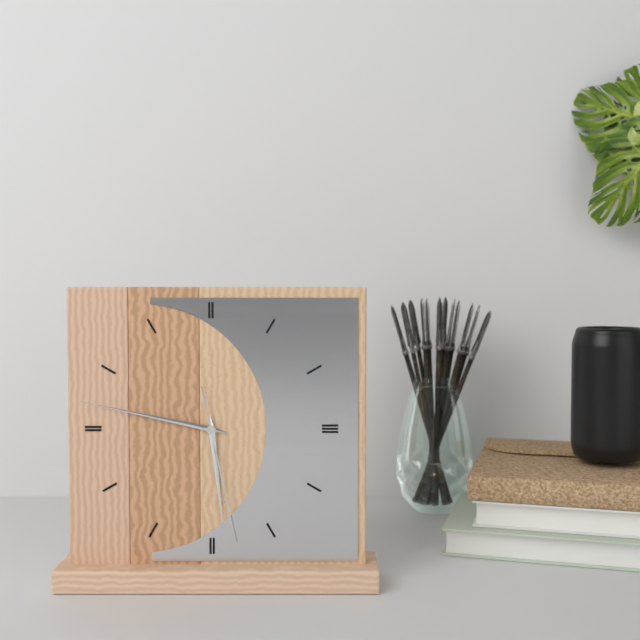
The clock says 5h47m28s
